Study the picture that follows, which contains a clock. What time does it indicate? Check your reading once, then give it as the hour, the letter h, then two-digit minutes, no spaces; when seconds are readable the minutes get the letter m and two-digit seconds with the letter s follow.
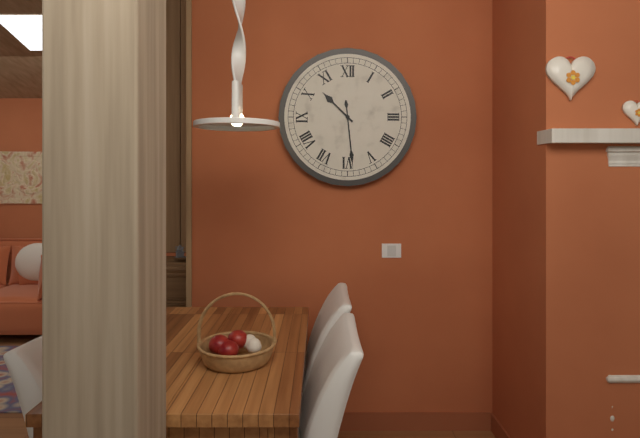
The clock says 10h29
